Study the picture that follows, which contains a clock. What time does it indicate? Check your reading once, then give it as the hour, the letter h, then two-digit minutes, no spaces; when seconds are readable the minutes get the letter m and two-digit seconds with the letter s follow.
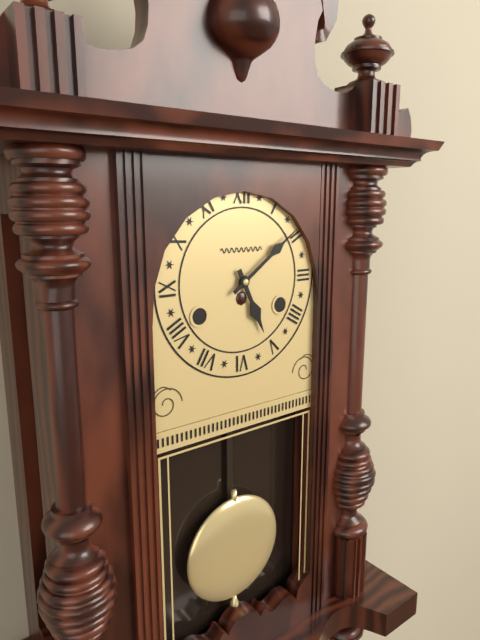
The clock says 5h09
